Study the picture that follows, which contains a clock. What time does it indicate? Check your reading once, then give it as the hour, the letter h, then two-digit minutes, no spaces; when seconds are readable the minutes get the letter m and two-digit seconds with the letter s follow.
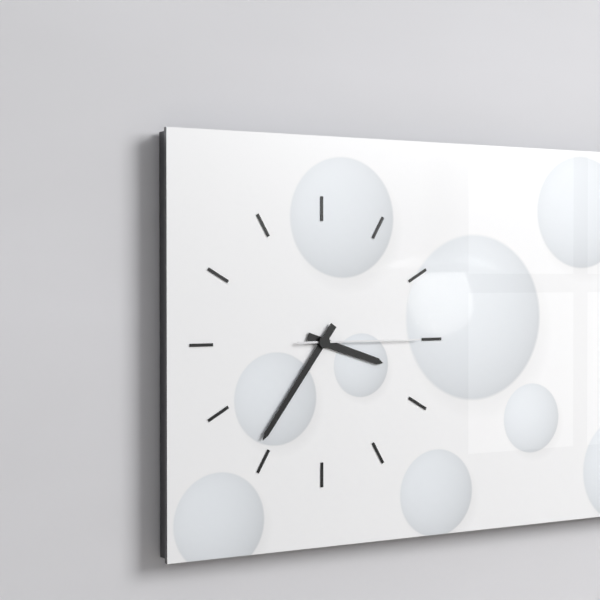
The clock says 3h36m15s
